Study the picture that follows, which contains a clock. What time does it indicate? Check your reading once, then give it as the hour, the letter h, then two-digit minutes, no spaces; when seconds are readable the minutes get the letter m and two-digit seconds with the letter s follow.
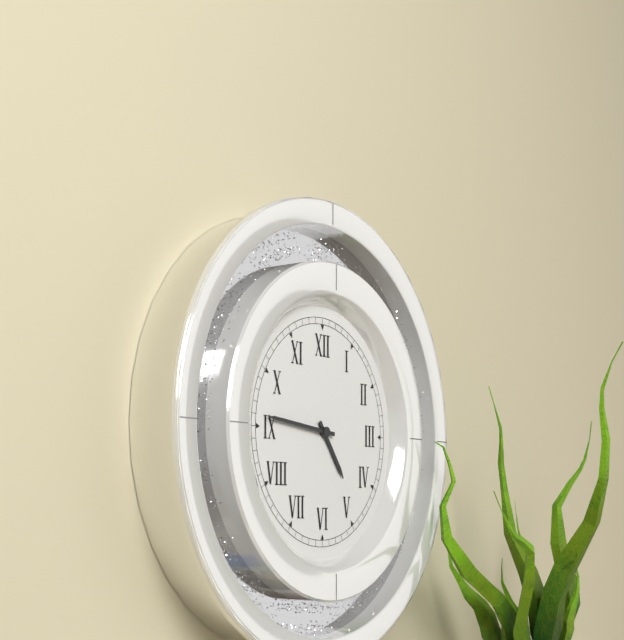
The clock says 4h46
